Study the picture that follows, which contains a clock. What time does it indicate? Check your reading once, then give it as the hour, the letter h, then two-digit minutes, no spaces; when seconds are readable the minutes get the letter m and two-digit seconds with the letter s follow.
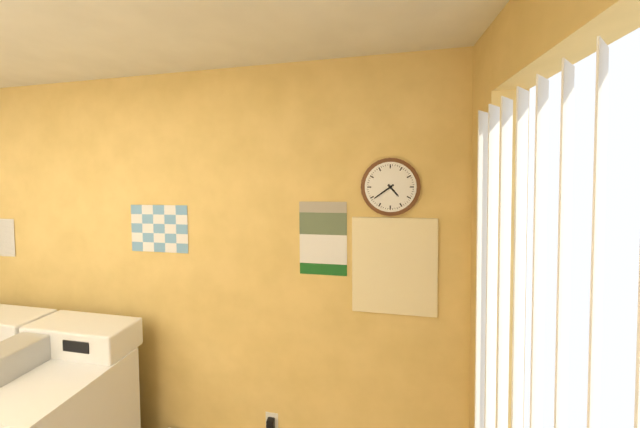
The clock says 4h39
